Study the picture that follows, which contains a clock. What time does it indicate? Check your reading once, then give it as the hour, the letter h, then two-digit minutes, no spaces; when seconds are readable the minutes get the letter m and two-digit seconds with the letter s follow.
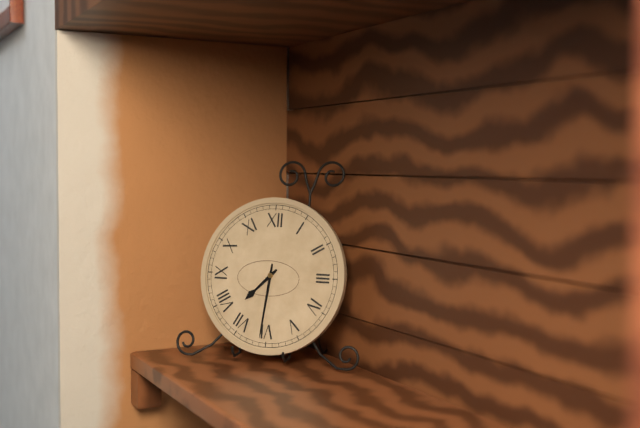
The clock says 7h31
